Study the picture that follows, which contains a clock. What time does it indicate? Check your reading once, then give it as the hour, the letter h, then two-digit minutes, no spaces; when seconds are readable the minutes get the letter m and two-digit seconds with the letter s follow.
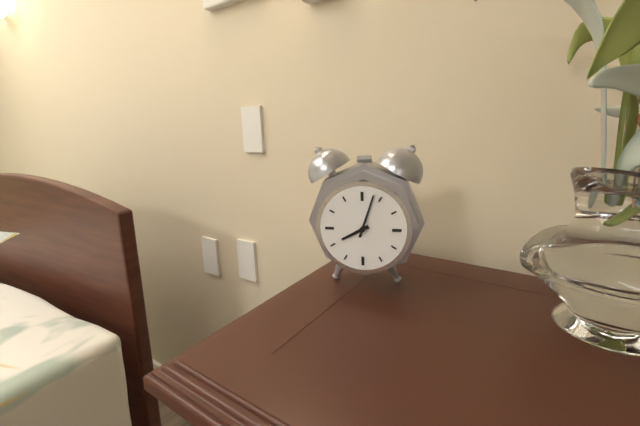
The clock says 8h03
